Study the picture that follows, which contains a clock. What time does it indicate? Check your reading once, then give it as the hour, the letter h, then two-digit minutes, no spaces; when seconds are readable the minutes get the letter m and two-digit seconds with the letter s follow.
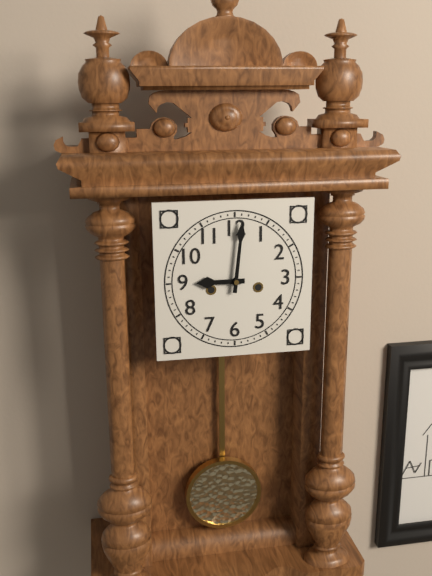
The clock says 9h01
